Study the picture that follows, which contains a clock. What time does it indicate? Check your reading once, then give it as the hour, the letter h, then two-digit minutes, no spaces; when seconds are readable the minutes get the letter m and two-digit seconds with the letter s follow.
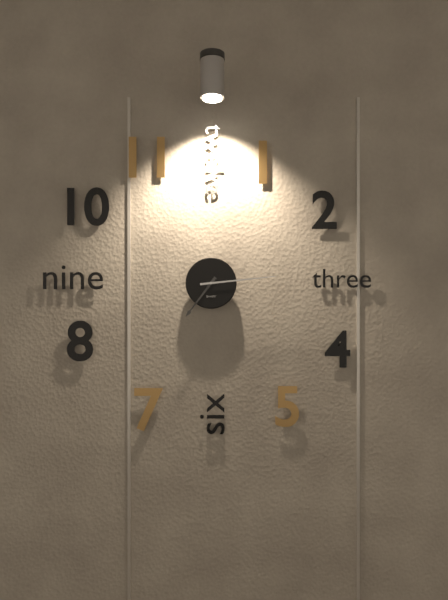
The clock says 7h14
